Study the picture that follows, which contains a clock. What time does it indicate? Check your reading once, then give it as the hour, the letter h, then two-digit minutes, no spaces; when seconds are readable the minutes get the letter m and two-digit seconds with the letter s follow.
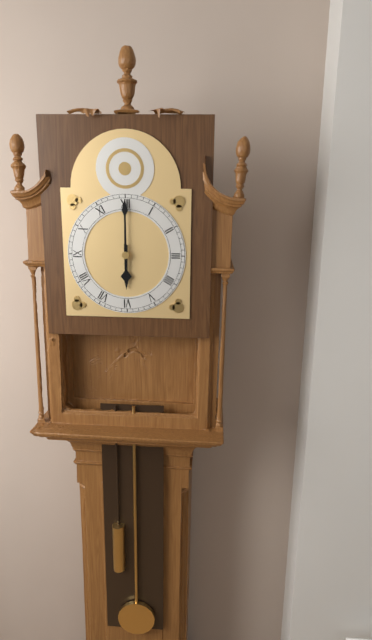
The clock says 6h00
